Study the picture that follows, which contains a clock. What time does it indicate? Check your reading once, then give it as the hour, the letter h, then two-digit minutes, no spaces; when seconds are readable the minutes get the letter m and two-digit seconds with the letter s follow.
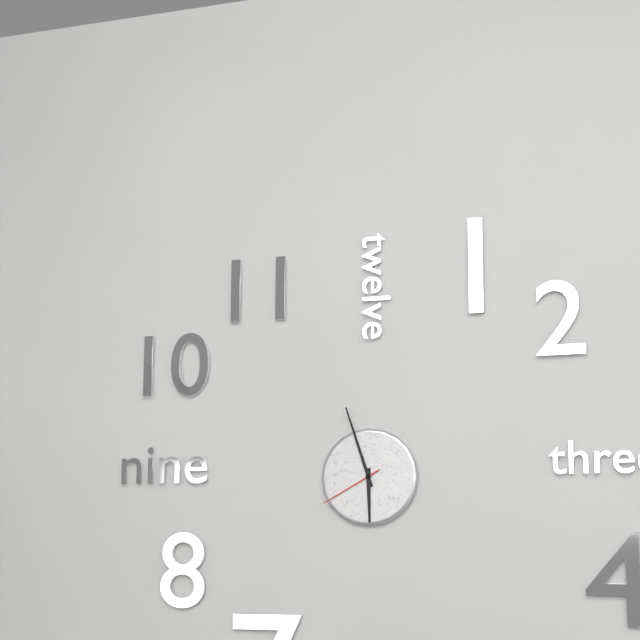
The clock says 5h57m40s
